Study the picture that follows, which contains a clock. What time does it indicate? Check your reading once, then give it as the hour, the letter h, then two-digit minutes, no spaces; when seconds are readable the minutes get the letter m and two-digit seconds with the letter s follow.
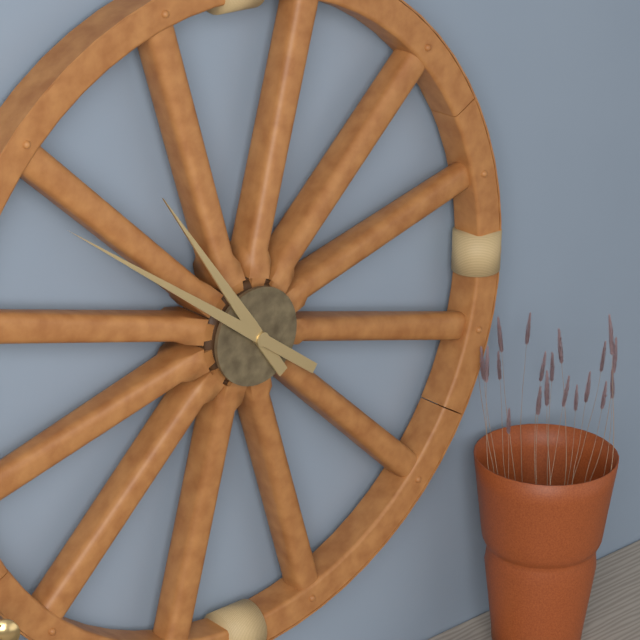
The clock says 10h51
